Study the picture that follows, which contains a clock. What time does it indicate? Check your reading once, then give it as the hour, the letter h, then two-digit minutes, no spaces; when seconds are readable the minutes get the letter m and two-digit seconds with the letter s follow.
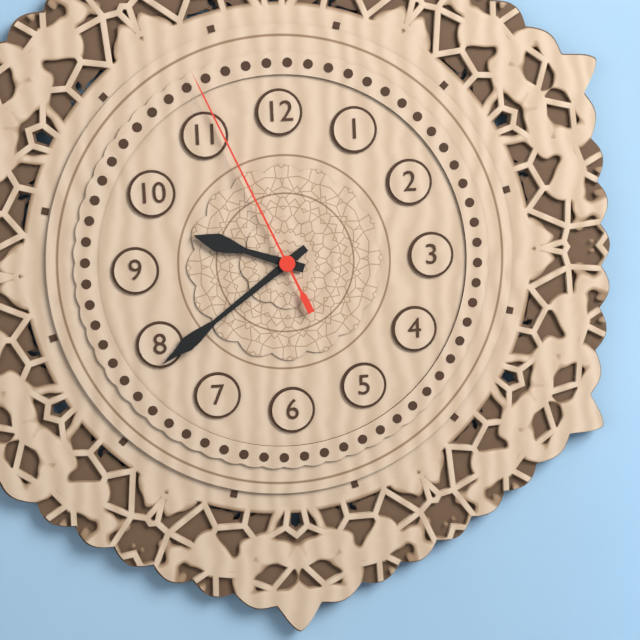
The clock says 9h39m56s
